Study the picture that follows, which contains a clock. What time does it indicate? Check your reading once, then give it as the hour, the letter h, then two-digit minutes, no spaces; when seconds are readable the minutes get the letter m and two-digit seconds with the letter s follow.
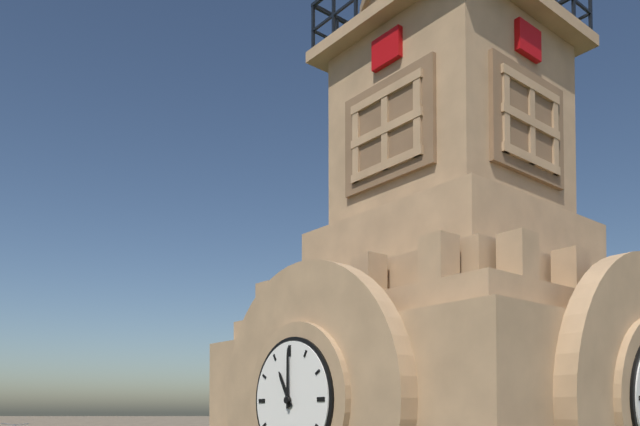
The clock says 11h00
